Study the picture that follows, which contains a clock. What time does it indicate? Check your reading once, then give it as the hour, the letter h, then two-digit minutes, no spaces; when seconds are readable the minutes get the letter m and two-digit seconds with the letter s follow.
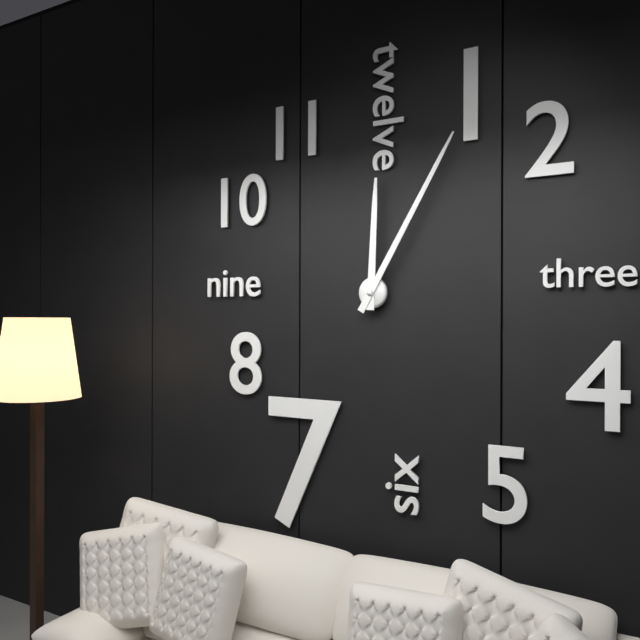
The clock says 12h05
